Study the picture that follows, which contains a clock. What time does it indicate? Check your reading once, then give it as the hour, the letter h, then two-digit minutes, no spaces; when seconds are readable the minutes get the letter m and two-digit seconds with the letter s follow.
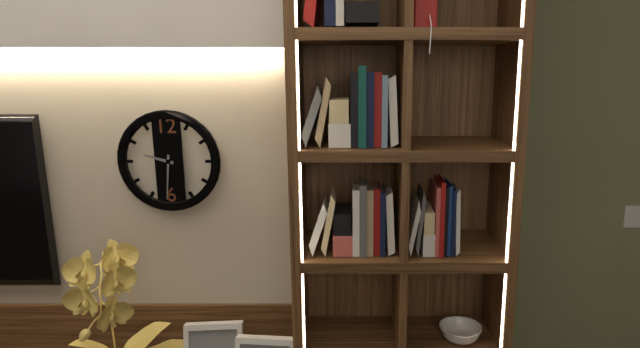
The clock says 9h31
